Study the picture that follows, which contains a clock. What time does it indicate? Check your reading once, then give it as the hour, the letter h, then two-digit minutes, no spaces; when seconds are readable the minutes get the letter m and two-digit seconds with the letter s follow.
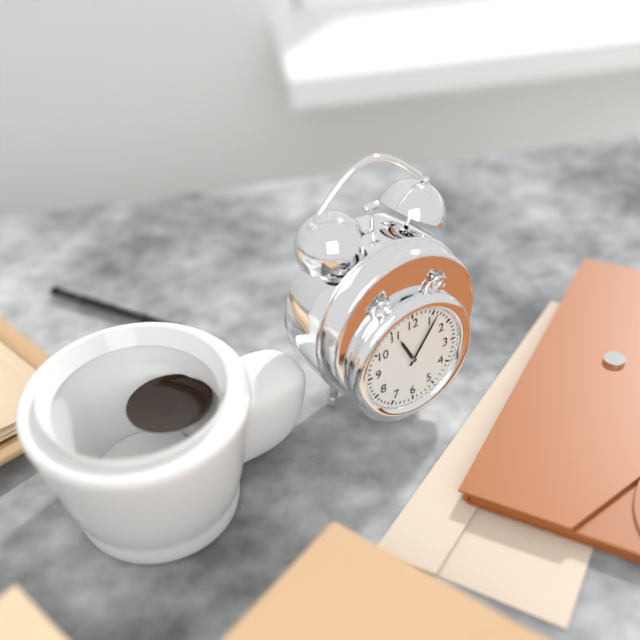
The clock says 11h06
